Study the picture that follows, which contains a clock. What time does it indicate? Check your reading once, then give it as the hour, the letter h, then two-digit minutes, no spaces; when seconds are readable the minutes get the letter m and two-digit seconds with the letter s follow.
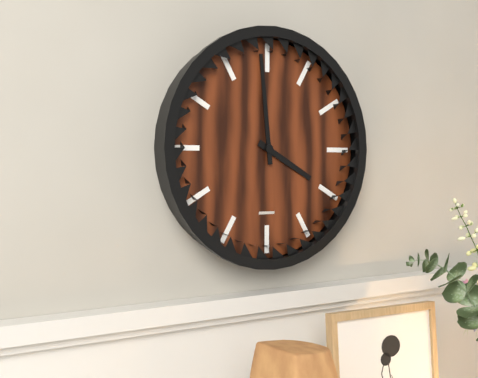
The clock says 3h59
